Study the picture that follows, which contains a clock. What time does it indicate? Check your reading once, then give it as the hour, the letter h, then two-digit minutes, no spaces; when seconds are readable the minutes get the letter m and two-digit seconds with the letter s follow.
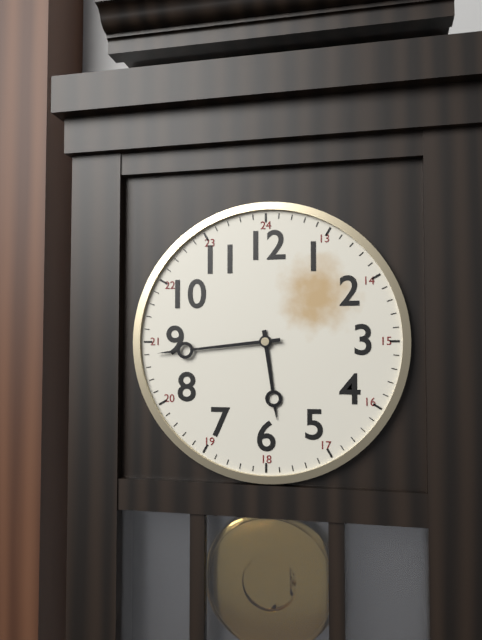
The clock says 5h44
